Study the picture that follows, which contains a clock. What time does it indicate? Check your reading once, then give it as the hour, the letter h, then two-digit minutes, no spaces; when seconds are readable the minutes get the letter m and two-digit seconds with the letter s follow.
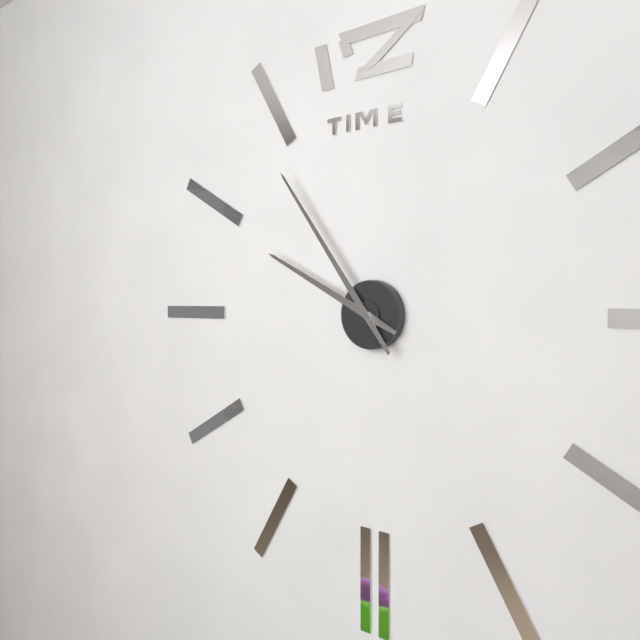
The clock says 9h54
